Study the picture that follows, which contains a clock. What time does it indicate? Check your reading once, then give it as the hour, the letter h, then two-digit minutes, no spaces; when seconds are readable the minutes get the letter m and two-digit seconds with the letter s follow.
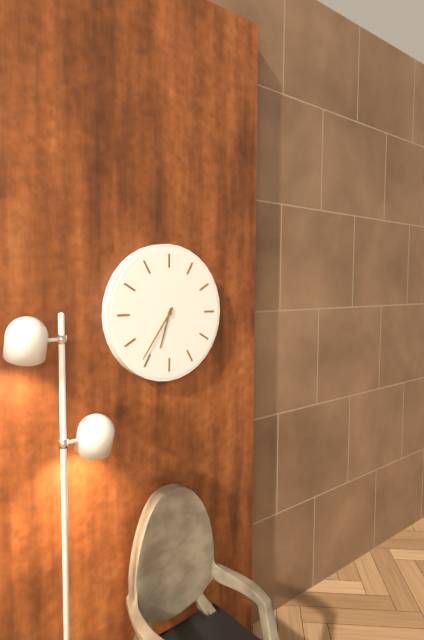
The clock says 6h36
